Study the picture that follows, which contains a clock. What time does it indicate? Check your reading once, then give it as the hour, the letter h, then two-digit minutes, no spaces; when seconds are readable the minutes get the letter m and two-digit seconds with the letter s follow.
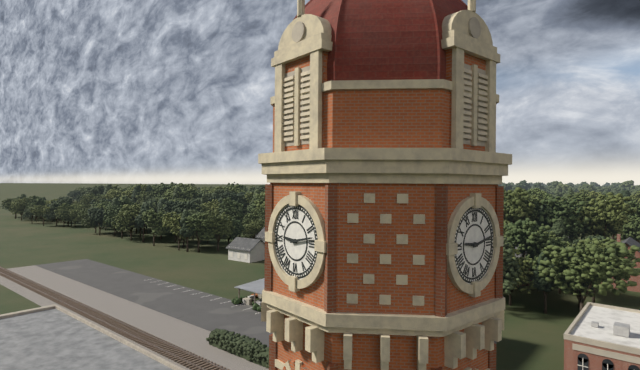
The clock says 9h13
